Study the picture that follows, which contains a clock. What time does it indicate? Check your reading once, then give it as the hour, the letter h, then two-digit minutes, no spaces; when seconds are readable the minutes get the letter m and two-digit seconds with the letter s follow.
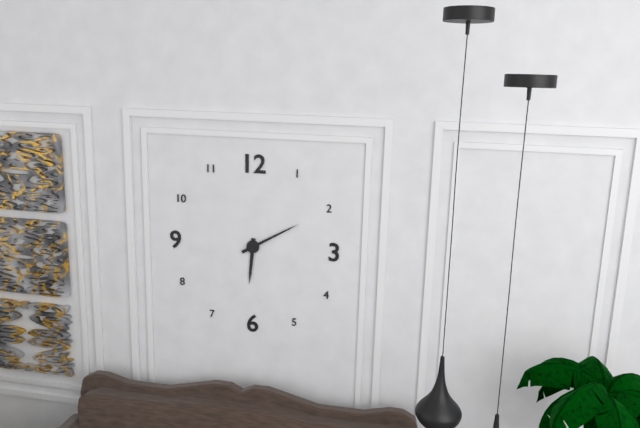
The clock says 6h10
